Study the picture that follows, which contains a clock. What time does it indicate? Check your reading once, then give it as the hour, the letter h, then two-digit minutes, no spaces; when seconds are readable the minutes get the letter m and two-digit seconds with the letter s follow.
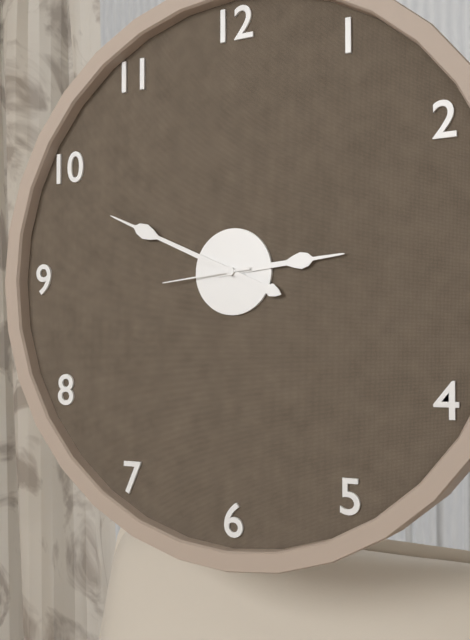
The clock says 2h49m44s
